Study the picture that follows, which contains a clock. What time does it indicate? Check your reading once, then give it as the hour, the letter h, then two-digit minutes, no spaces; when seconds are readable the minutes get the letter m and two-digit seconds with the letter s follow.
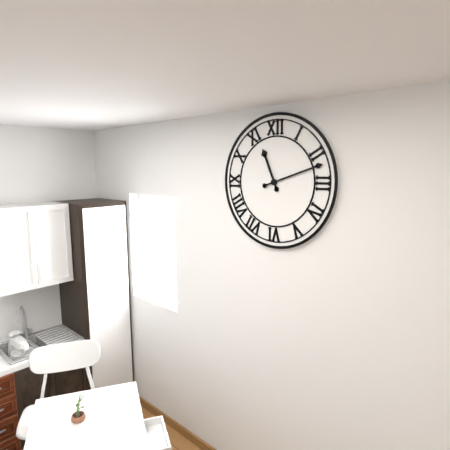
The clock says 11h12
